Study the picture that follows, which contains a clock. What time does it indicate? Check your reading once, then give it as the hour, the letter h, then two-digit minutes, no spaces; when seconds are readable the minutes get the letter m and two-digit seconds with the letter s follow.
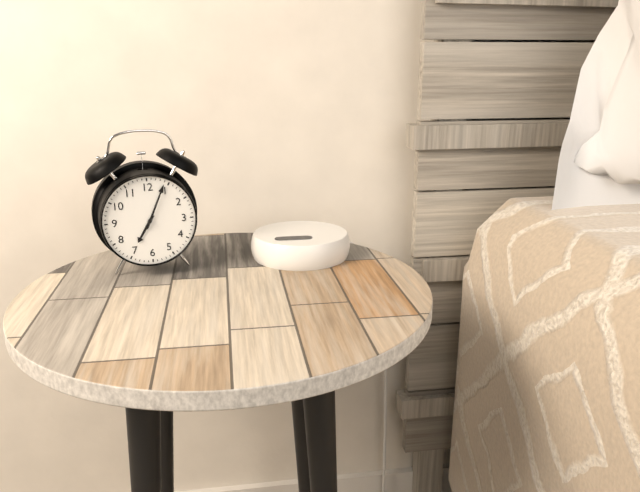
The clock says 7h04
